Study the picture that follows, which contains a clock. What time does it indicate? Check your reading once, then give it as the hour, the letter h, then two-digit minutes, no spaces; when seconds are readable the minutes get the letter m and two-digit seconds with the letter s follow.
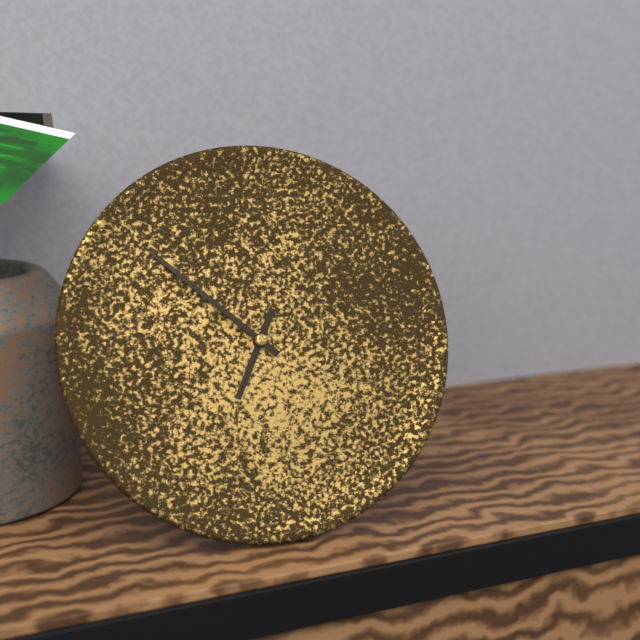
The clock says 6h52
